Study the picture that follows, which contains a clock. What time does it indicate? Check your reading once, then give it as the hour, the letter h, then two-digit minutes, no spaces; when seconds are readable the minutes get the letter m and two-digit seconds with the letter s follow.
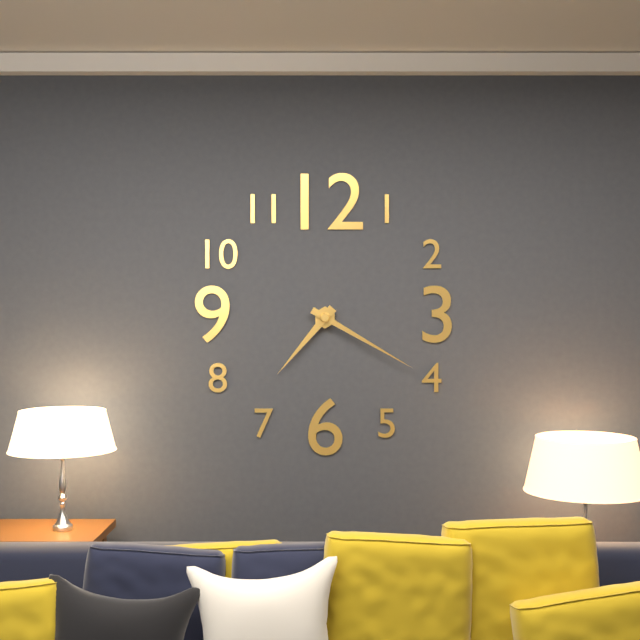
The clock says 7h20
